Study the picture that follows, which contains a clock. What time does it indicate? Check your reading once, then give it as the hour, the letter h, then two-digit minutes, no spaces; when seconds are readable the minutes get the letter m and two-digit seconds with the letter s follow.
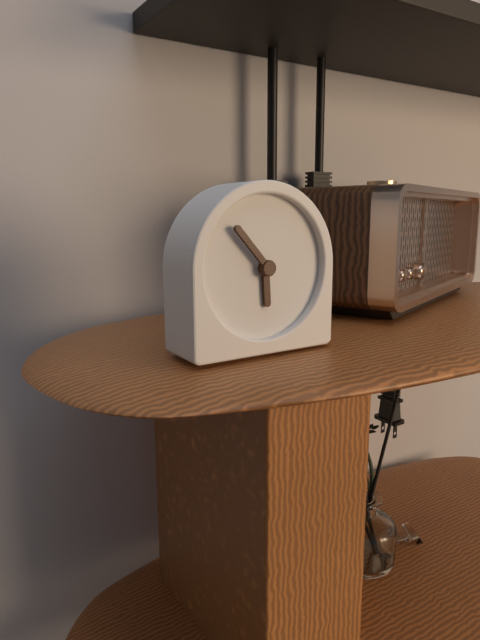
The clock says 5h53
